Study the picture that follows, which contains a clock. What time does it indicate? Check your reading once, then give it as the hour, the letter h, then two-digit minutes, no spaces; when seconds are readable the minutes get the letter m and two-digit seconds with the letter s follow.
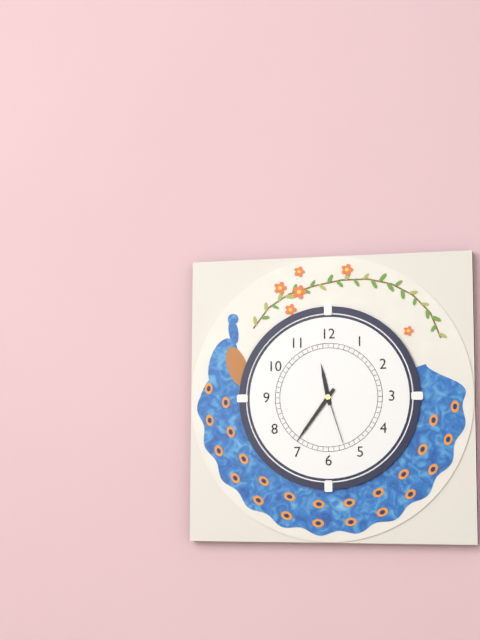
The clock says 11h36m27s
